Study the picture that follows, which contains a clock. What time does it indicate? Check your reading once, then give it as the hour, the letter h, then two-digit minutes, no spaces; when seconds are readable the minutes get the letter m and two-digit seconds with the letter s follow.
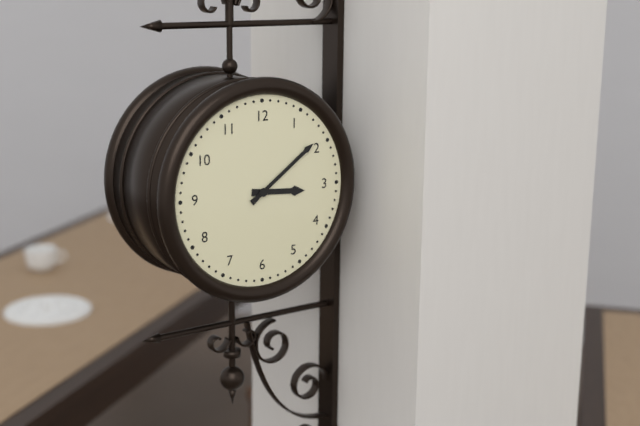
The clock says 3h09
